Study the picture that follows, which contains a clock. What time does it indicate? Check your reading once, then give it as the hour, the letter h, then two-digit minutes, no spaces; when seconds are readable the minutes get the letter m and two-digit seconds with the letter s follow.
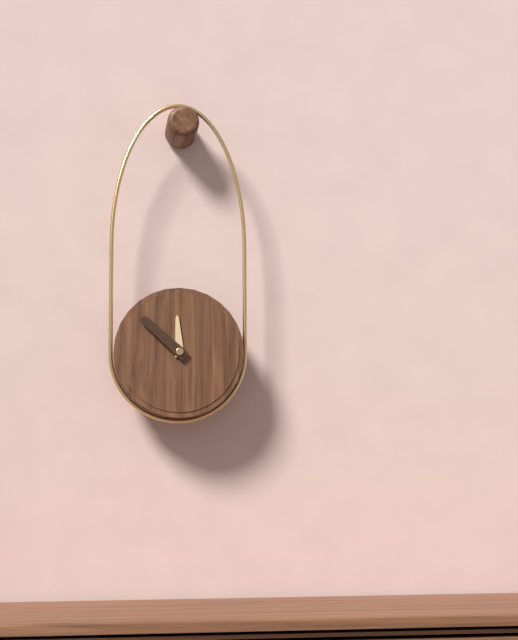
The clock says 11h52
